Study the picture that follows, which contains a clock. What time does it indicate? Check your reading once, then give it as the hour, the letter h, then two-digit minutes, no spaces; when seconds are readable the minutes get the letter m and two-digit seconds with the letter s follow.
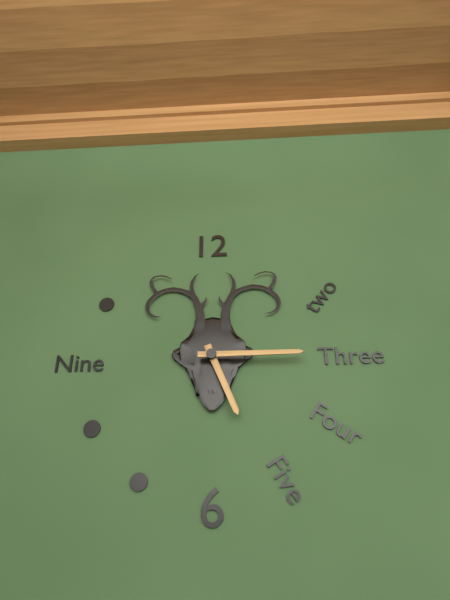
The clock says 5h15
